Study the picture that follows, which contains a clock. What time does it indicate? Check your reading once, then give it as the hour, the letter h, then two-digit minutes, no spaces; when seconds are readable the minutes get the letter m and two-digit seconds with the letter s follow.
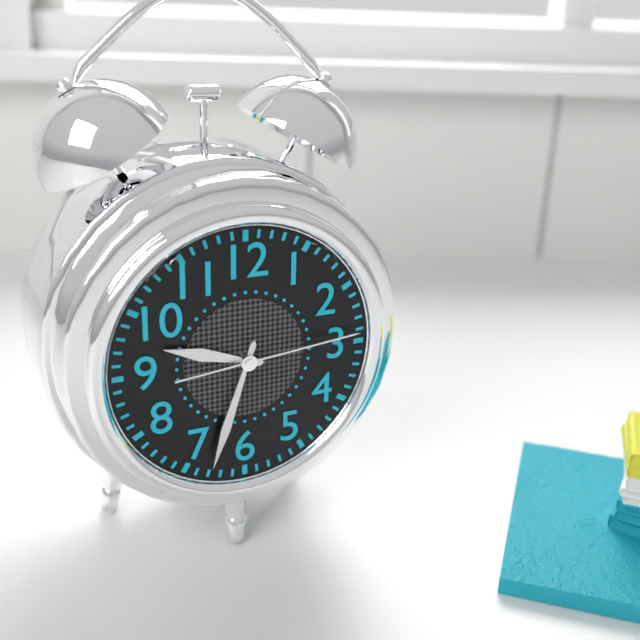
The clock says 9h33m14s
